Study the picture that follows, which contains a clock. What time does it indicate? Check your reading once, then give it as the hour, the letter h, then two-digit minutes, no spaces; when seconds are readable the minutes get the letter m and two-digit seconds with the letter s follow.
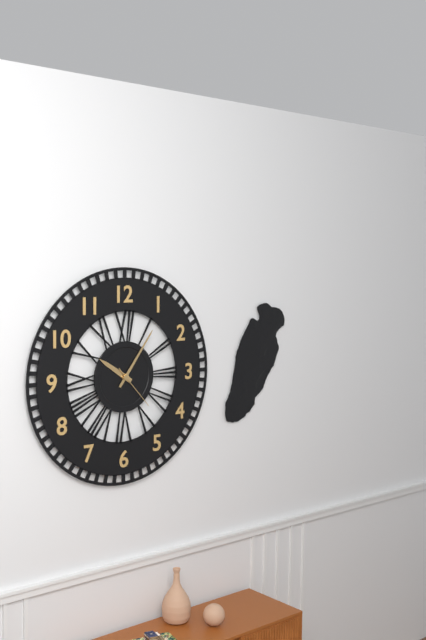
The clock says 10h06
